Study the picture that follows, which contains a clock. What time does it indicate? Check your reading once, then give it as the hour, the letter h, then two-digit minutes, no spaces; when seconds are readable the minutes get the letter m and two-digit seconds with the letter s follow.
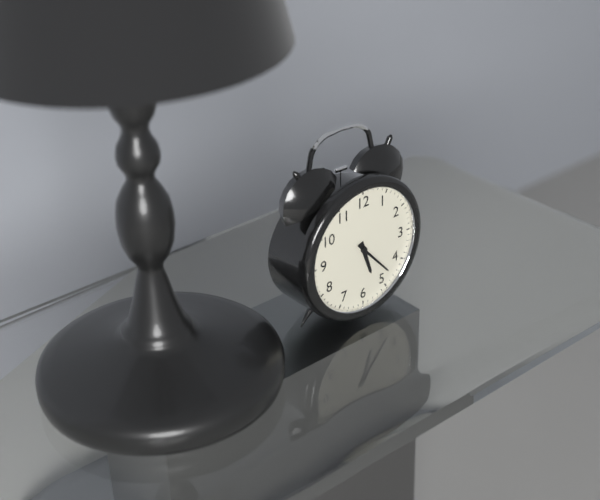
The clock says 5h23
